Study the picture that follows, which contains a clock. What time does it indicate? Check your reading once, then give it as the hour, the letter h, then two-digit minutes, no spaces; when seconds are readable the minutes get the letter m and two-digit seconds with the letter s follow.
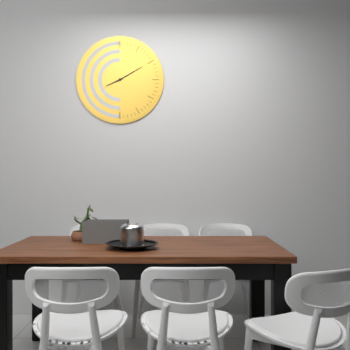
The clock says 8h10
